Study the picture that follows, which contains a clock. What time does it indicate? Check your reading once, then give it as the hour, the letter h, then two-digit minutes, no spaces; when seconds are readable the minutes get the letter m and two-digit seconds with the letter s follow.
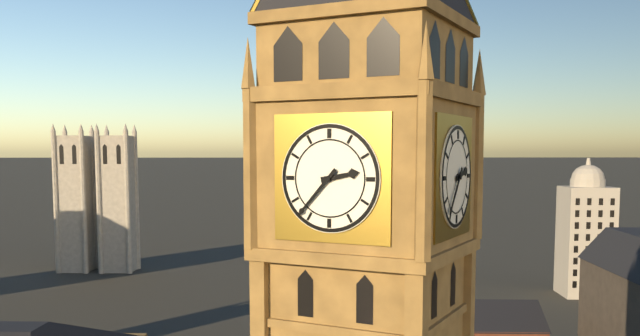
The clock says 2h37
